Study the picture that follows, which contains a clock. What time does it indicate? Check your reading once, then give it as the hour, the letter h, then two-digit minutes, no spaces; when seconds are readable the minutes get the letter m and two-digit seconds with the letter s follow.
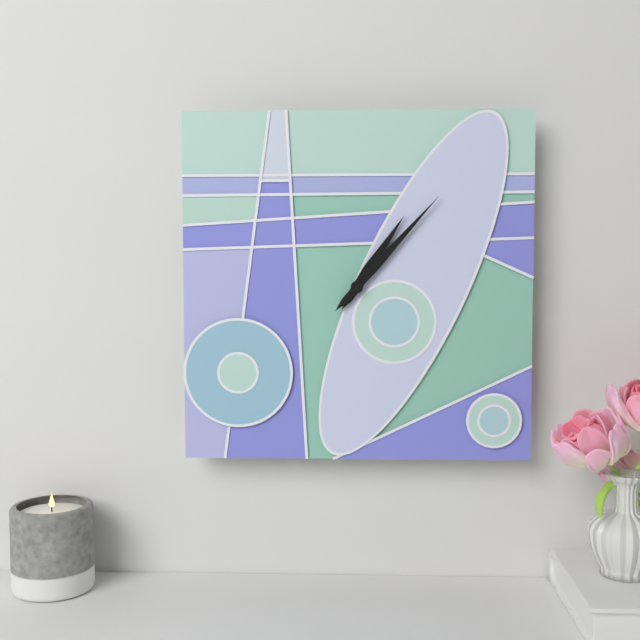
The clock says 1h07
